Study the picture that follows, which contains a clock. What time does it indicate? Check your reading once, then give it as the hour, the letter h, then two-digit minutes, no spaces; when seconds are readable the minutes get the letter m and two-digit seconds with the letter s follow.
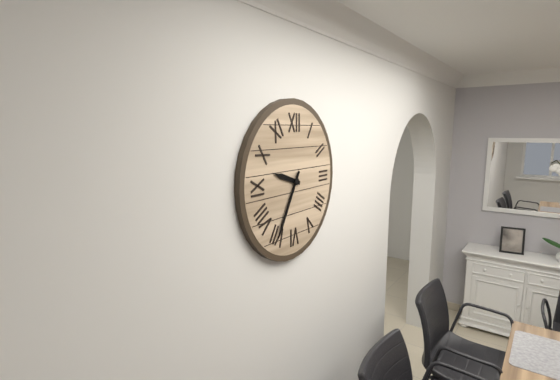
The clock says 9h35
